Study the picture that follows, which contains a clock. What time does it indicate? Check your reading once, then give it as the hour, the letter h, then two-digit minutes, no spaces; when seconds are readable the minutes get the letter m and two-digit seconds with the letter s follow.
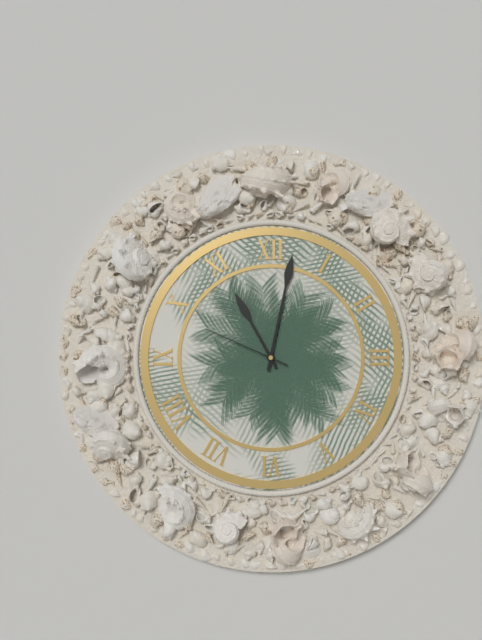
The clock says 11h02m49s
